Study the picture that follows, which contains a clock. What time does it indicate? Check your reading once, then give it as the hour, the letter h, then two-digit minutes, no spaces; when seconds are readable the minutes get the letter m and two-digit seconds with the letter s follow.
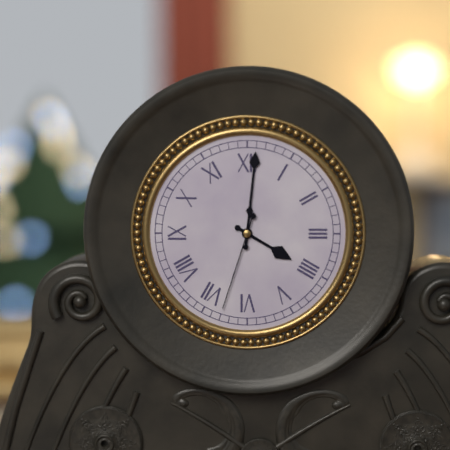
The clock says 4h01m33s
